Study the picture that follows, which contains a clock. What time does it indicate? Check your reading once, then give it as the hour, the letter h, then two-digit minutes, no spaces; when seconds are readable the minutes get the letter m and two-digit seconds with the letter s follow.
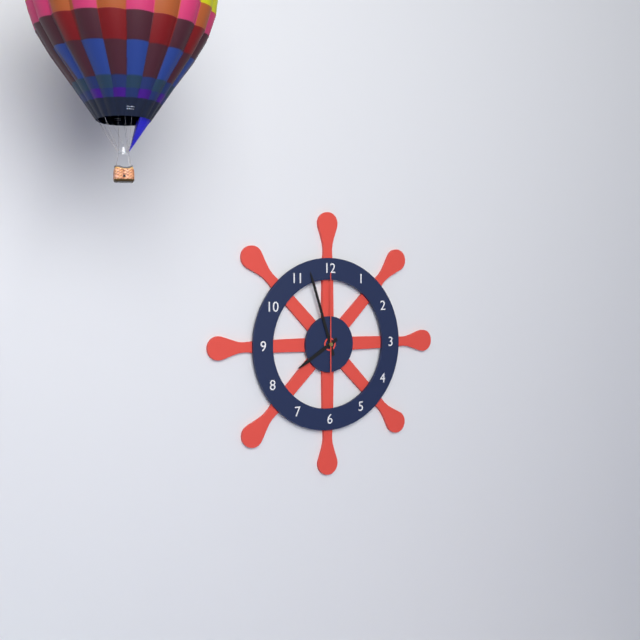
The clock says 7h57m00s
